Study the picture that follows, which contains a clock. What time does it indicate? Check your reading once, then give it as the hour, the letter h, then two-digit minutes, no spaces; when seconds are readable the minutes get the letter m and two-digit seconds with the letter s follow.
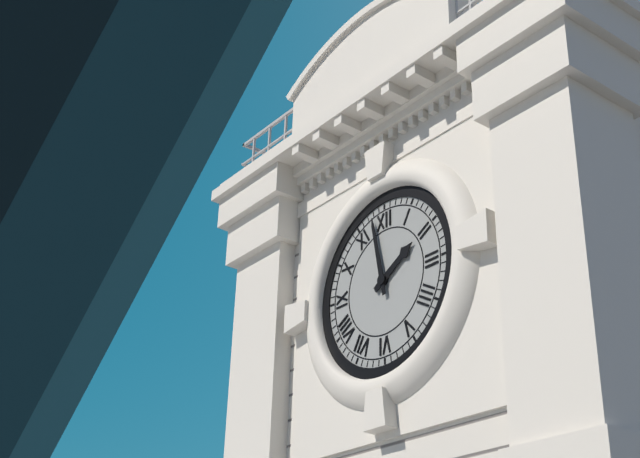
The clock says 1h58
